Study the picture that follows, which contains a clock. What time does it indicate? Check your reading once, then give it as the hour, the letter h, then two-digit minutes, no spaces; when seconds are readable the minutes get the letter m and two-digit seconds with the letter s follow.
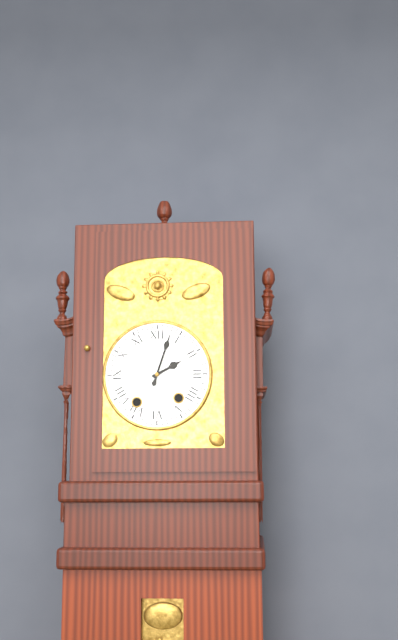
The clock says 2h03
